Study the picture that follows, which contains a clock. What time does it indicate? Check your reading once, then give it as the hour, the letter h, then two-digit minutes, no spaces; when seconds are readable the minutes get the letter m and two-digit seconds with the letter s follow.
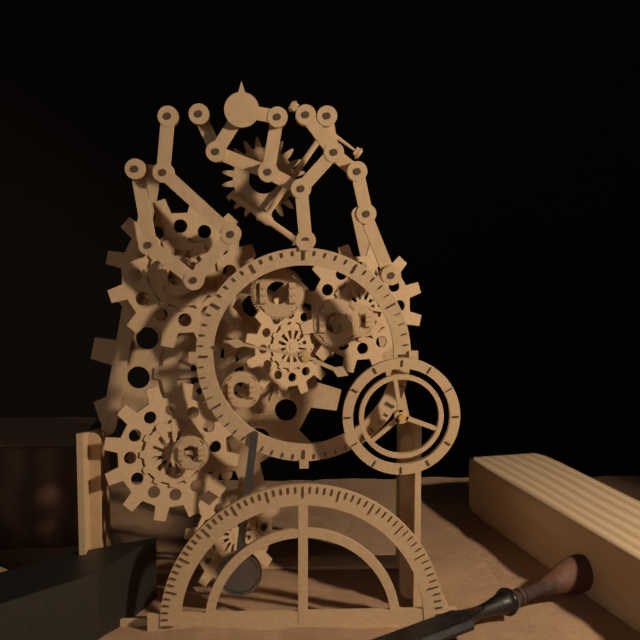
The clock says 3h47
